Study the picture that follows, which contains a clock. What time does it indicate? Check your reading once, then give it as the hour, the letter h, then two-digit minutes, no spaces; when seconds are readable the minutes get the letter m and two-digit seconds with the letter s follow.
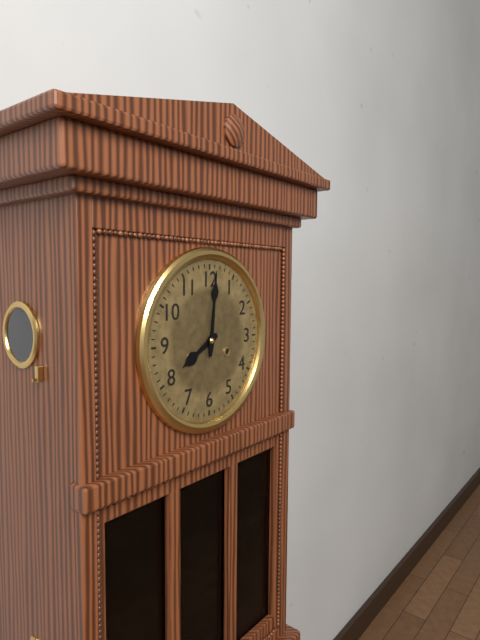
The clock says 8h01
